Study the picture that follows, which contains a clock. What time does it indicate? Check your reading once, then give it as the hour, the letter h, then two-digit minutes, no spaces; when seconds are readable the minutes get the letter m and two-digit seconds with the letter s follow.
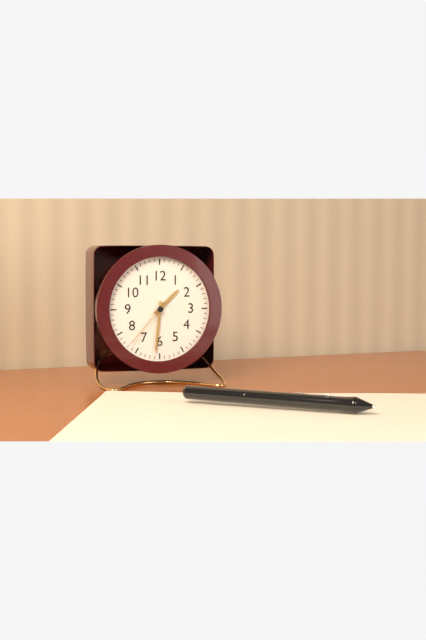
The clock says 1h31m37s
